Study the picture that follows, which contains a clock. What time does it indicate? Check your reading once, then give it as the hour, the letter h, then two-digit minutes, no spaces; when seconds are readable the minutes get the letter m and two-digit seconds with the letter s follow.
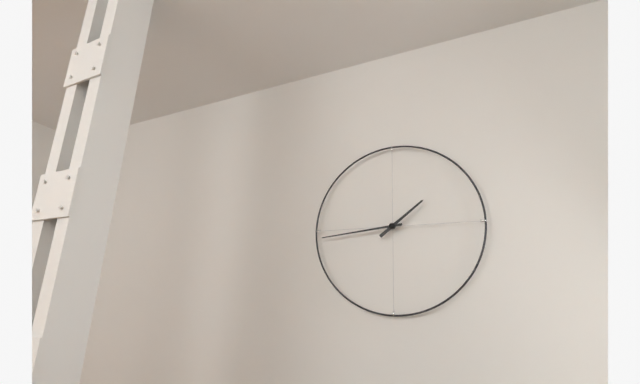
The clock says 1h44
